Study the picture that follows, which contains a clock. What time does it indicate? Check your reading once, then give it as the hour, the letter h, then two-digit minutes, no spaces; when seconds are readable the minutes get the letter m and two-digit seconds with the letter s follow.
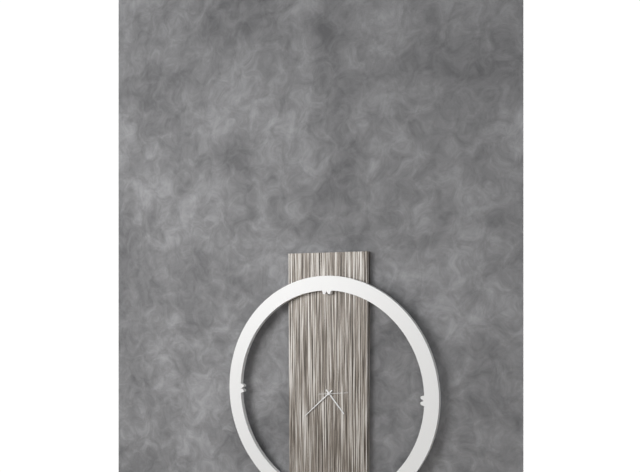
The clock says 4h38
